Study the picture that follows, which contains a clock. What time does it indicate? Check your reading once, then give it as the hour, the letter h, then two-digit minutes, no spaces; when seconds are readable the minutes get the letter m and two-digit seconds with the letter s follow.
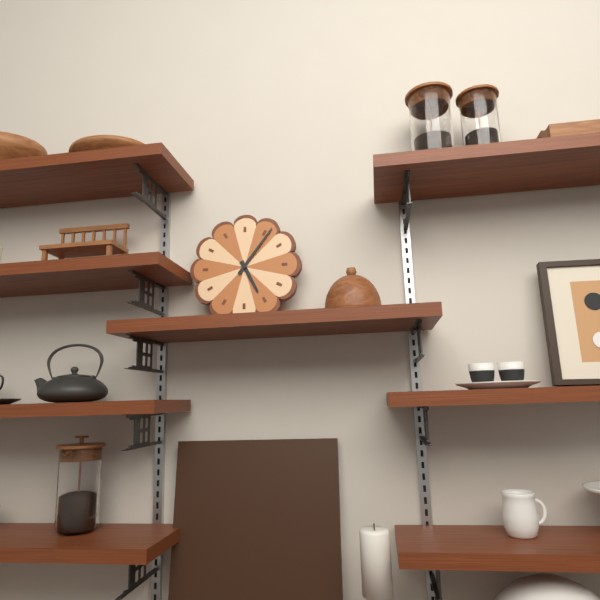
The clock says 5h06
